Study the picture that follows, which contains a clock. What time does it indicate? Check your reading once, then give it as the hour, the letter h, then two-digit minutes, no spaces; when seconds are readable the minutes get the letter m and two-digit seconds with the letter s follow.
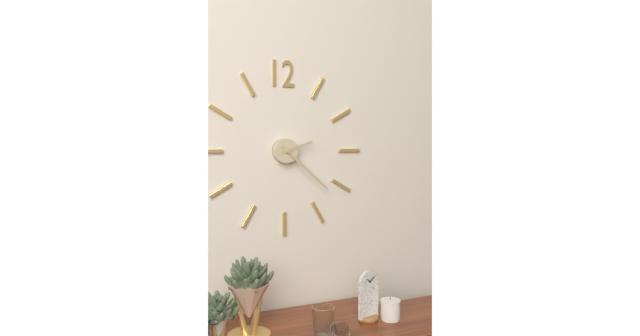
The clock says 2h22
